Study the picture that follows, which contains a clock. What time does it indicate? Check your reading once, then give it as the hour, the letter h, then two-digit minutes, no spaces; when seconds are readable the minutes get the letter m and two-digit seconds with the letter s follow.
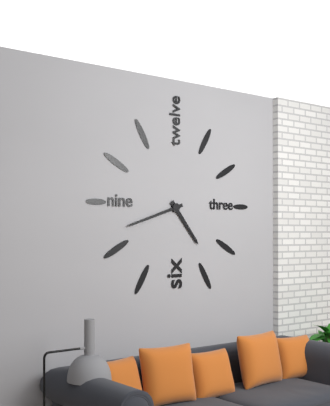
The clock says 4h42
